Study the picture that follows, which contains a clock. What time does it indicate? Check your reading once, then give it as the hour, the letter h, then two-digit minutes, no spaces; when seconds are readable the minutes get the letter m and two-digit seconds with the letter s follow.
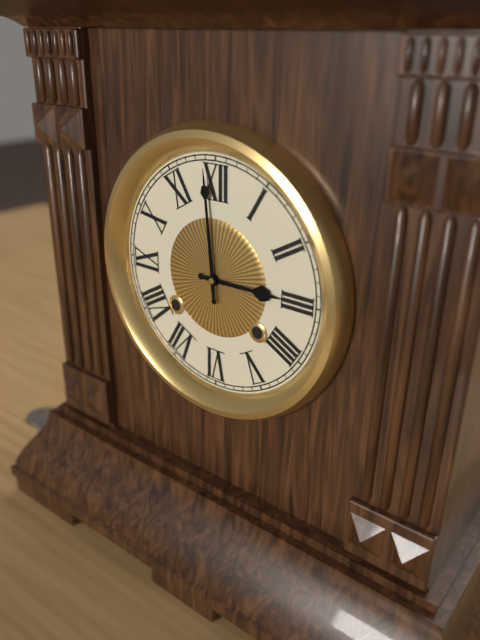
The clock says 2h59
